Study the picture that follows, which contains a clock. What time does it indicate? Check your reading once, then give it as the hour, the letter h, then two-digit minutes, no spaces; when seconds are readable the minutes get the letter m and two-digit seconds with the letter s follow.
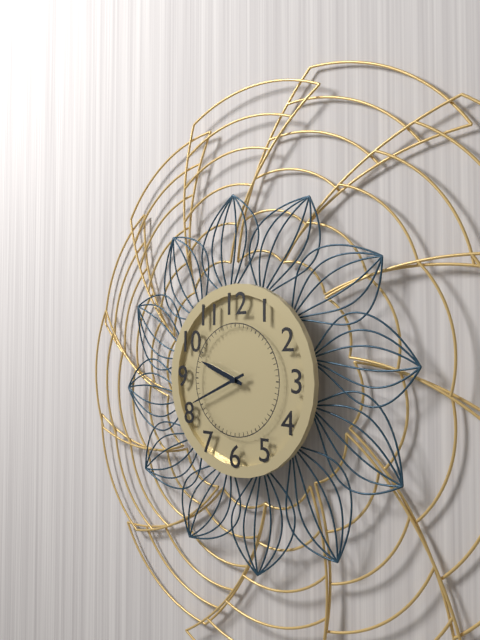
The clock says 9h41
